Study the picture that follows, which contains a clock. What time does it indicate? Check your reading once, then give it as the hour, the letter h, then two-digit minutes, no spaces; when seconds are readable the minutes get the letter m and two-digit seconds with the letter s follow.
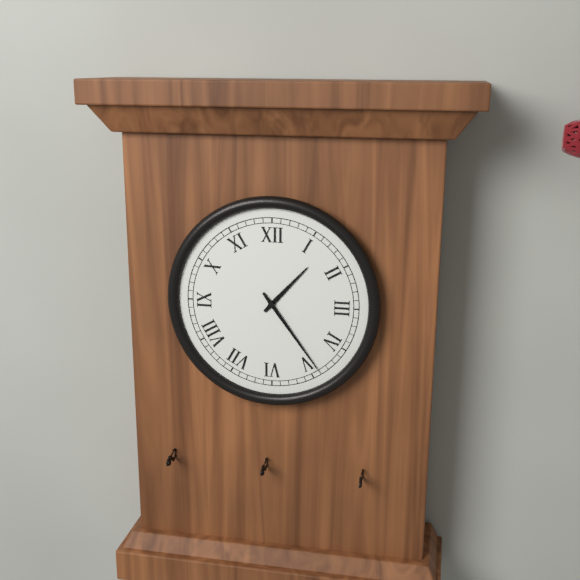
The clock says 1h24
